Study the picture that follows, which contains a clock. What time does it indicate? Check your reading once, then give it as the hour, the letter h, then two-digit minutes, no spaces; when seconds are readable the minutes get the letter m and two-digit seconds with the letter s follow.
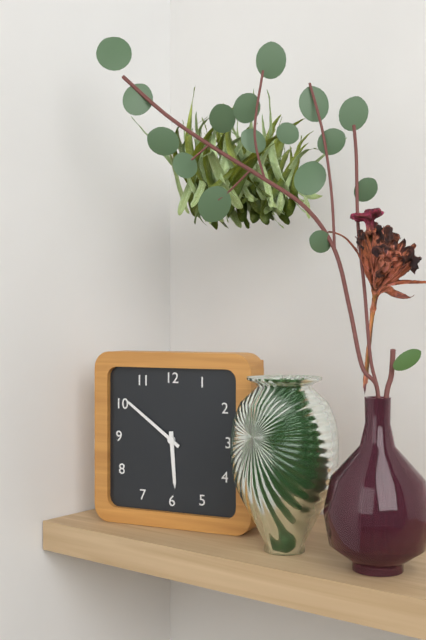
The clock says 5h51
